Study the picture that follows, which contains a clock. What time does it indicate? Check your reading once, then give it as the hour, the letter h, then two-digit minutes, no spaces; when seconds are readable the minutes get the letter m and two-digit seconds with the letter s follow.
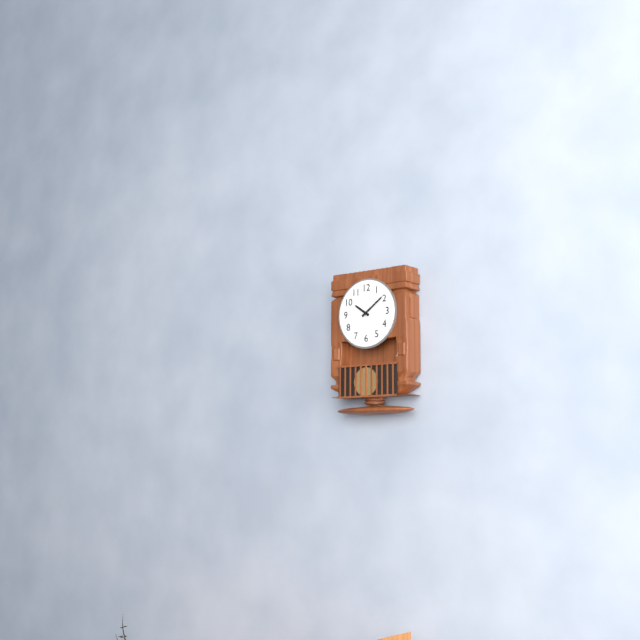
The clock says 10h09
